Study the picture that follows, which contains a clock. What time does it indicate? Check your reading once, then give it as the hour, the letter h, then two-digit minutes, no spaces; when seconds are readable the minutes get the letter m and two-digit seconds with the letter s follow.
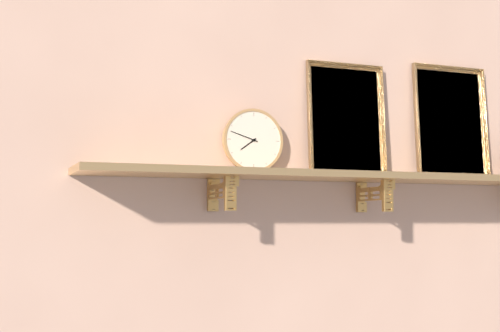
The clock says 7h48
